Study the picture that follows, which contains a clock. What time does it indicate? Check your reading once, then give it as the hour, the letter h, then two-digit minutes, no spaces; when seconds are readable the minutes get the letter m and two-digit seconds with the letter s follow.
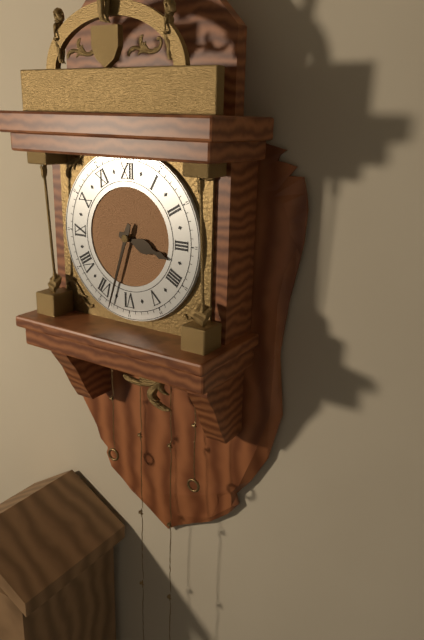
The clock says 3h33
